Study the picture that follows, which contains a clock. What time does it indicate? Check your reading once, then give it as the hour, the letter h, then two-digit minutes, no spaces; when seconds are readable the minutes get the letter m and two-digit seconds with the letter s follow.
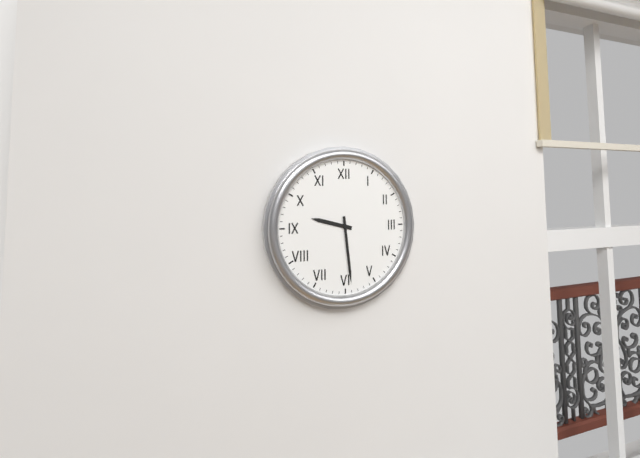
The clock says 9h29
